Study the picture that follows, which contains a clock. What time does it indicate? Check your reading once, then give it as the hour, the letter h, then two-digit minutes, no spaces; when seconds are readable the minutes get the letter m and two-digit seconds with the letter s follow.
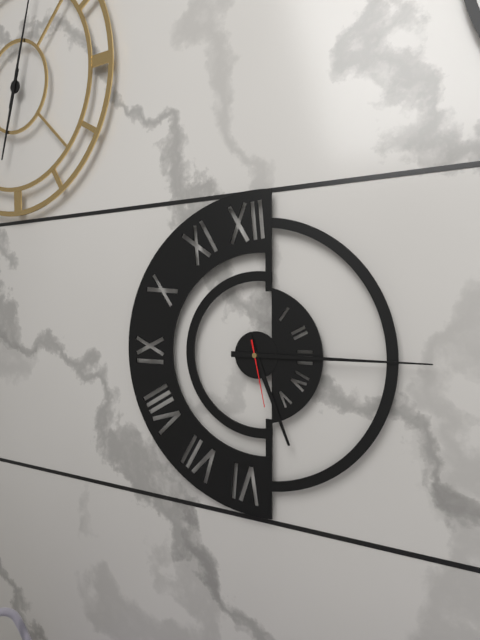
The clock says 5h15m28s
